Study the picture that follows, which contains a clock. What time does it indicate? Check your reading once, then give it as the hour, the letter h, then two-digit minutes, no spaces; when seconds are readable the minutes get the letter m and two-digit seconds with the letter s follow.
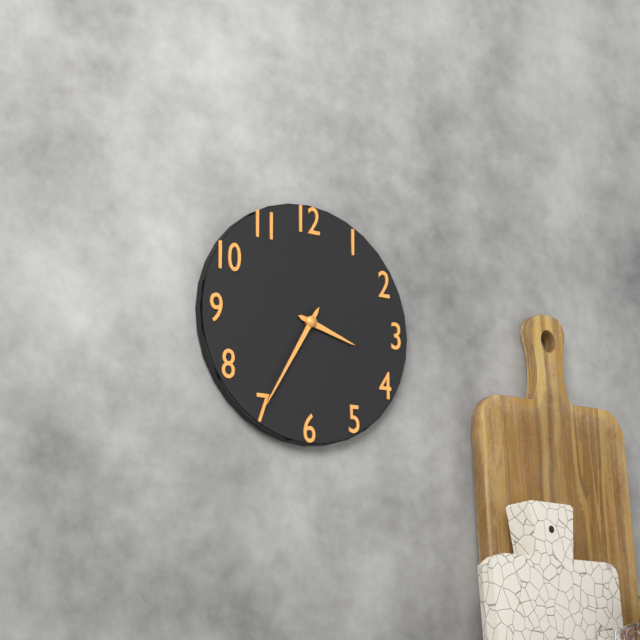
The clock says 3h35
